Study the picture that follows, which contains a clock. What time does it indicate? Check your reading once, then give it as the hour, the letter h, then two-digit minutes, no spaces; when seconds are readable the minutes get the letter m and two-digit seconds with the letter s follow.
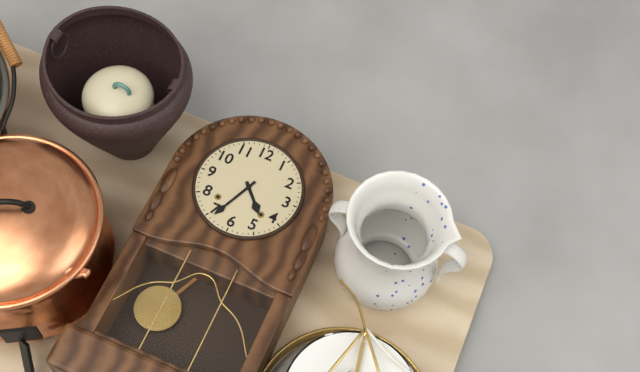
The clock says 4h34
